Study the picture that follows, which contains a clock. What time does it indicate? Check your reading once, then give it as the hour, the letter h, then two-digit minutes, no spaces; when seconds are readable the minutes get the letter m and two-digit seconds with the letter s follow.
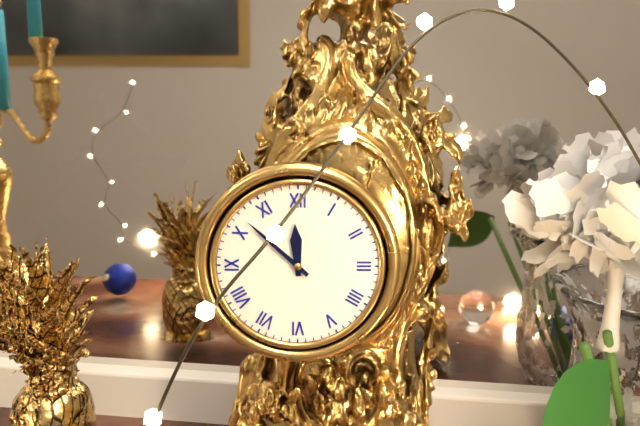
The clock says 11h52
